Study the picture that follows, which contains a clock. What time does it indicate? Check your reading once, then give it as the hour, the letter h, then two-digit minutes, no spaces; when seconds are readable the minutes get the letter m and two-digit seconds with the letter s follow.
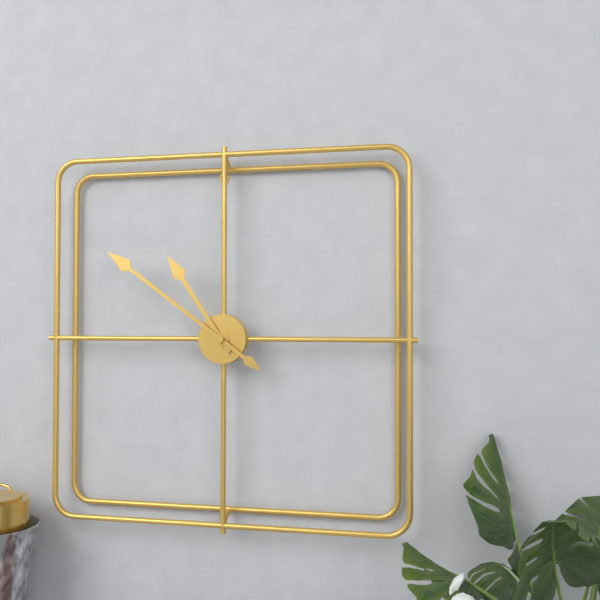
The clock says 10h51
